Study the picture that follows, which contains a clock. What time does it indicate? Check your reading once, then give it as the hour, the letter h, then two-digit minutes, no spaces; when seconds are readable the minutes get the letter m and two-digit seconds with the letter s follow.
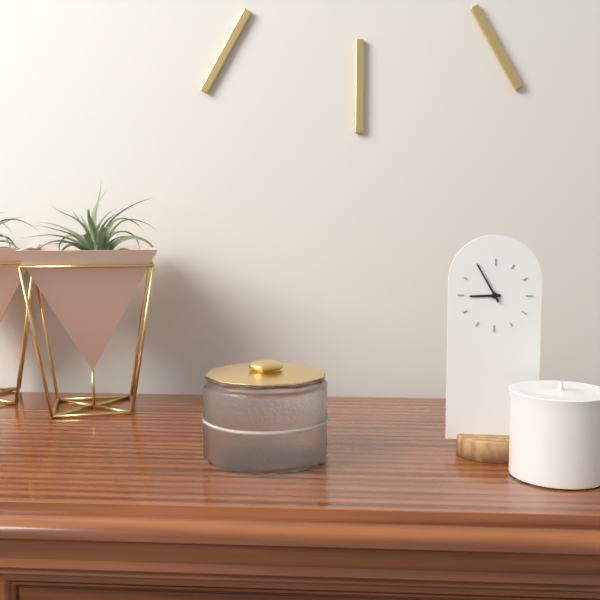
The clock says 8h55
